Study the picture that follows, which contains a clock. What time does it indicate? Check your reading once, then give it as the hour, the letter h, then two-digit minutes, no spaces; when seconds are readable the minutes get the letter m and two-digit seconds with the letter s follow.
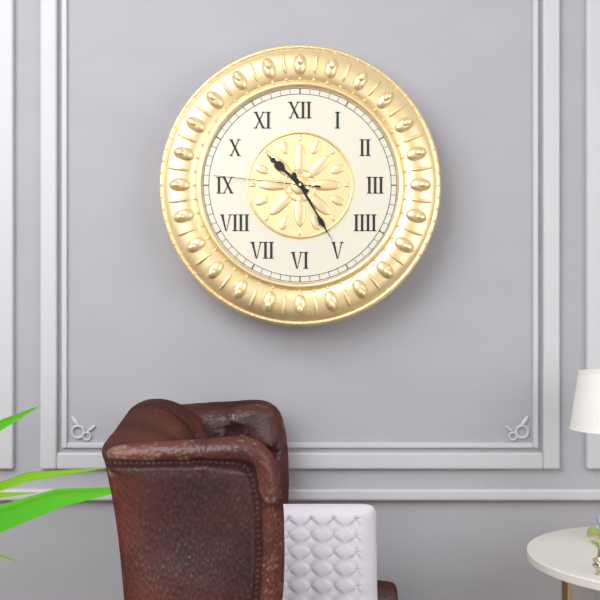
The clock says 10h25m46s
